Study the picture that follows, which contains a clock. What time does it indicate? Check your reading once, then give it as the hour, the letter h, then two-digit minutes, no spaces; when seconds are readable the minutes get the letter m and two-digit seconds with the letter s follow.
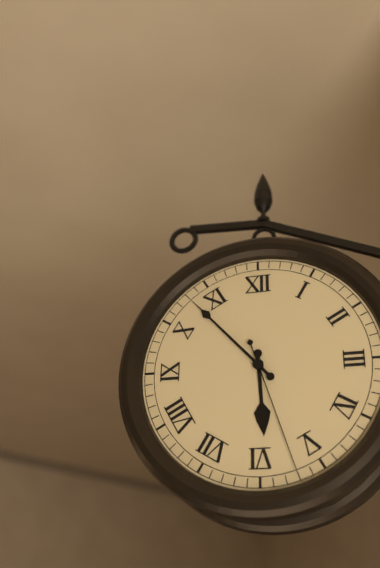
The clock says 5h53m27s
